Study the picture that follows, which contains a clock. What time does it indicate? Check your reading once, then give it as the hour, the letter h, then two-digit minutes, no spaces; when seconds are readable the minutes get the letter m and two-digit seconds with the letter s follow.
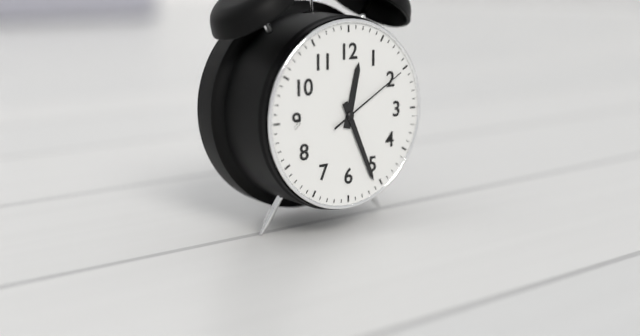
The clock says 12h26m10s
